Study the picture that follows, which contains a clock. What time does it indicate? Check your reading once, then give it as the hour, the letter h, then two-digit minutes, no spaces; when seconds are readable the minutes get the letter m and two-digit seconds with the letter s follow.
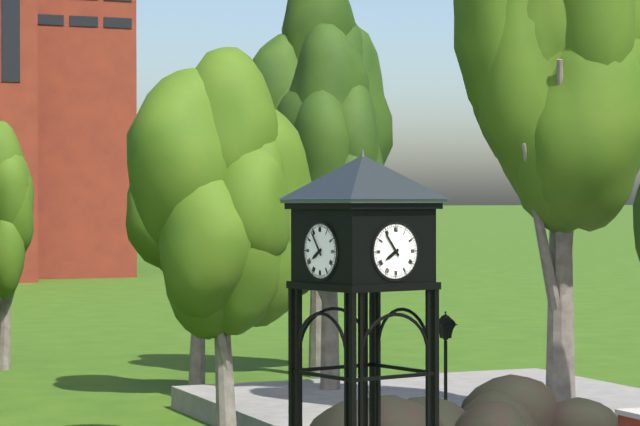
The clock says 7h54
